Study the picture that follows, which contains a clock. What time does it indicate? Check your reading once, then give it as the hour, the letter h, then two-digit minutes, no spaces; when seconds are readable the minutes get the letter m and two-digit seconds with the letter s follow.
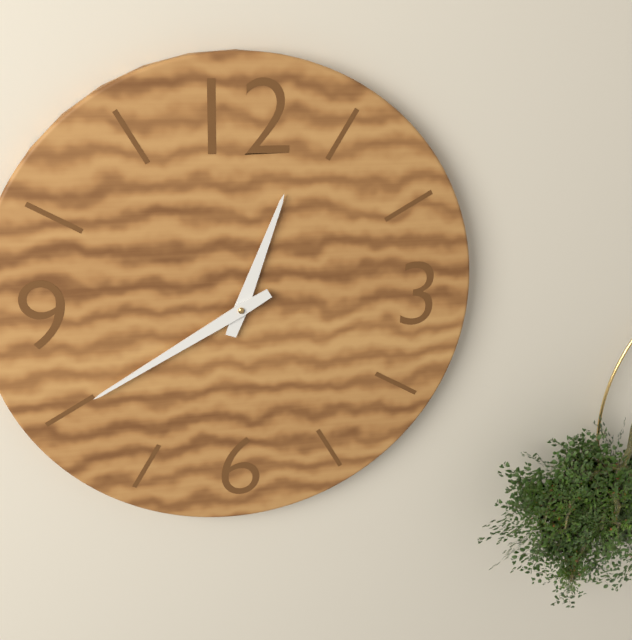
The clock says 12h40
